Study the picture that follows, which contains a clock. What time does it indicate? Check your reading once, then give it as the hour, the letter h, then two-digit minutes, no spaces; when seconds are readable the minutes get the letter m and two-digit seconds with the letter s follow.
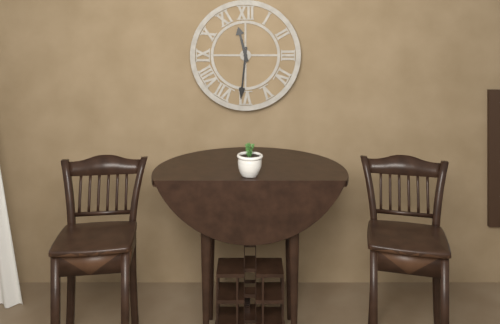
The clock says 11h31
